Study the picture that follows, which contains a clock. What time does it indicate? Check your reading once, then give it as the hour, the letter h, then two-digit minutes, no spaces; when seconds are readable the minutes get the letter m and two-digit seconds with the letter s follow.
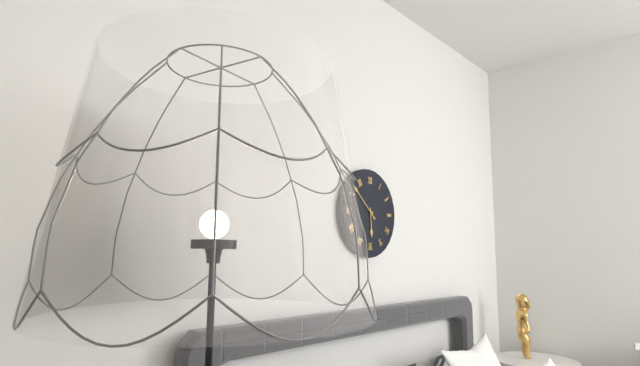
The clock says 5h52
